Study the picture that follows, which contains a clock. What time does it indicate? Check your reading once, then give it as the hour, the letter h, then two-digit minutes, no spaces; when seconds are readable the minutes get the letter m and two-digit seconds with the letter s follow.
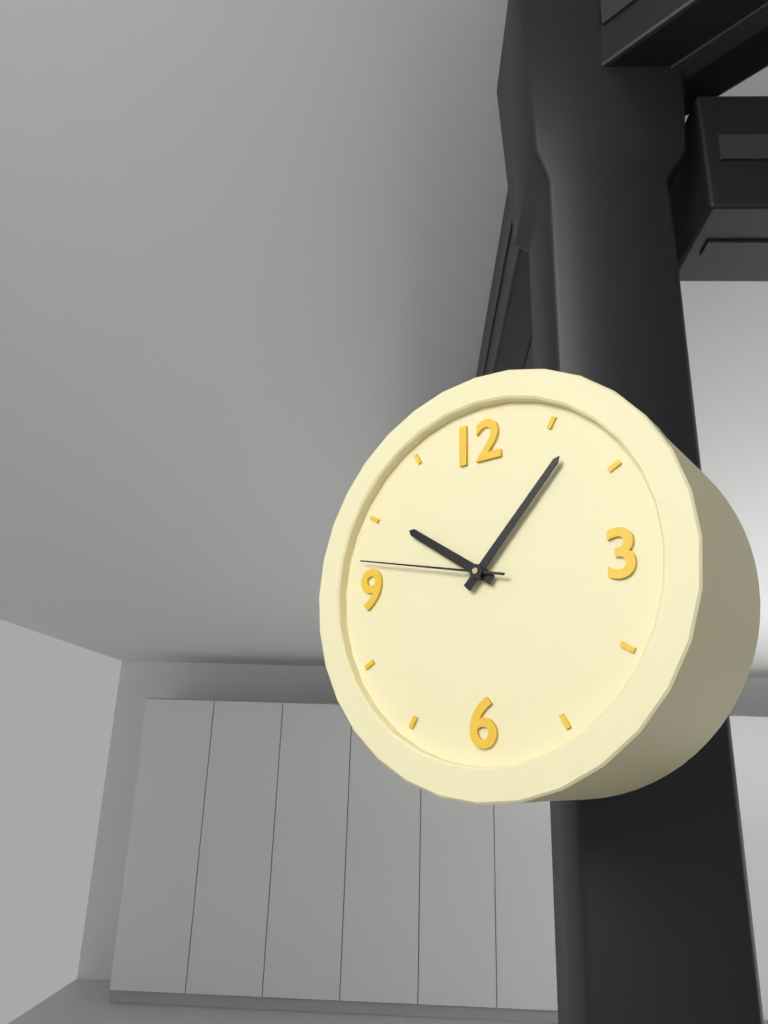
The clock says 10h07m47s
